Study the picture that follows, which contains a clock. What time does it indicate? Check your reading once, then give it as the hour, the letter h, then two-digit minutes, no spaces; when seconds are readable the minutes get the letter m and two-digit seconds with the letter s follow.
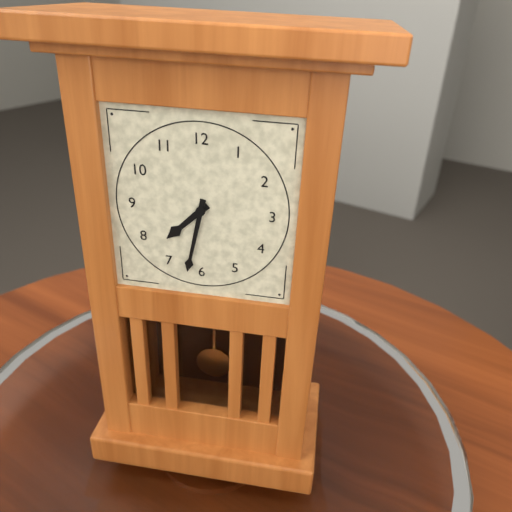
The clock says 7h32
